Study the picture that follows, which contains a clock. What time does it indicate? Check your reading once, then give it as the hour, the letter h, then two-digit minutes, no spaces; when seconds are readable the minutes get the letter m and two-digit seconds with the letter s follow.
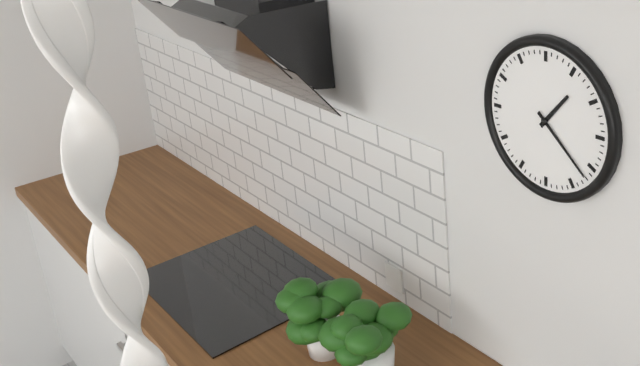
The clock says 1h22
